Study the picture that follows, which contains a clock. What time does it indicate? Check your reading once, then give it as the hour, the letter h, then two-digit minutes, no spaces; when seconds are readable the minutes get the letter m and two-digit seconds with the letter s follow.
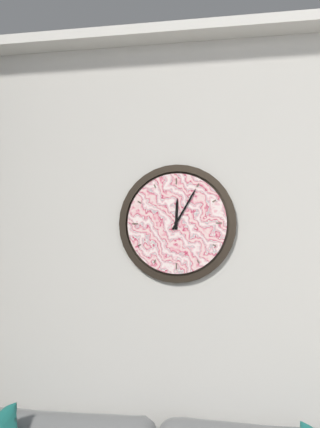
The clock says 12h05
